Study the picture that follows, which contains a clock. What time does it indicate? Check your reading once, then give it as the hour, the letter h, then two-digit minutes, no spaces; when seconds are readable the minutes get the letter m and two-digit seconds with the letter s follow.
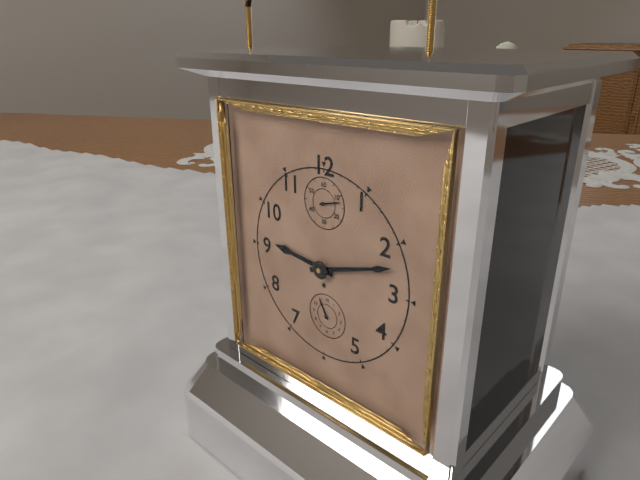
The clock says 9h12
